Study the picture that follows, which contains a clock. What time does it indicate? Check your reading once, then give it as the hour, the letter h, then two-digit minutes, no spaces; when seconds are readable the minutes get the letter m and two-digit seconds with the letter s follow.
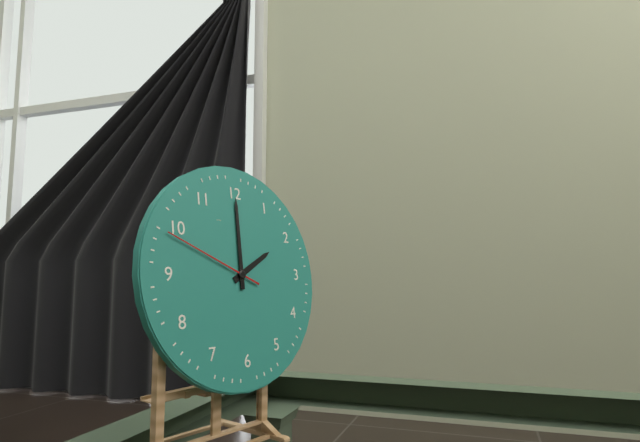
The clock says 2h00m49s
